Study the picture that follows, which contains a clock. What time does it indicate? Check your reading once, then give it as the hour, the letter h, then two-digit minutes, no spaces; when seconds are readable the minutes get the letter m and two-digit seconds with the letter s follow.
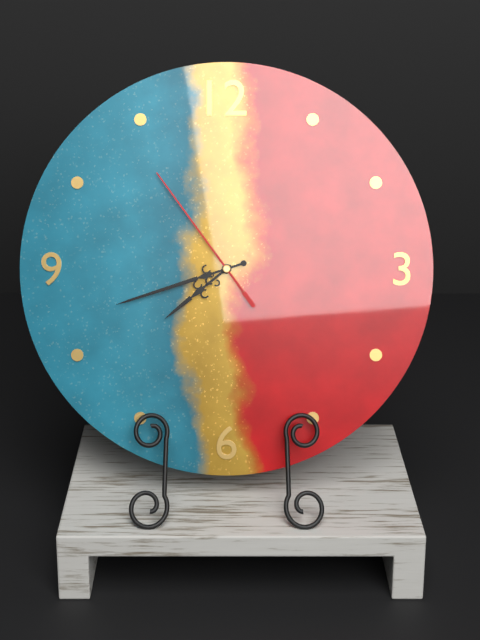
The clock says 7h42m54s
